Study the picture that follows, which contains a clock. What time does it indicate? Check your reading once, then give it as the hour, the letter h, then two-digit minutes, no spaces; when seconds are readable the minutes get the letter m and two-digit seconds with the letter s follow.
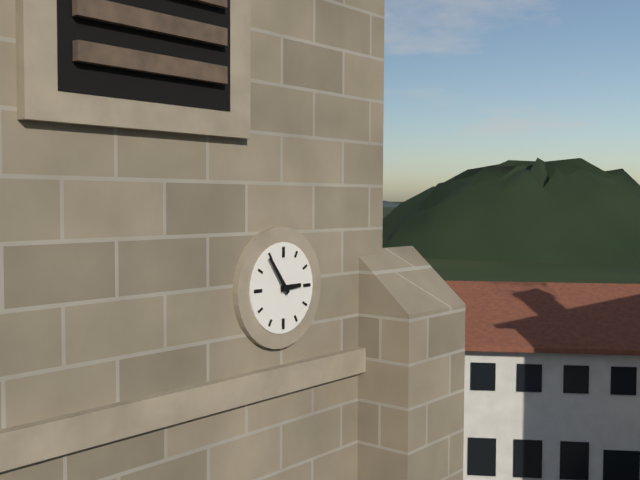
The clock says 2h54
